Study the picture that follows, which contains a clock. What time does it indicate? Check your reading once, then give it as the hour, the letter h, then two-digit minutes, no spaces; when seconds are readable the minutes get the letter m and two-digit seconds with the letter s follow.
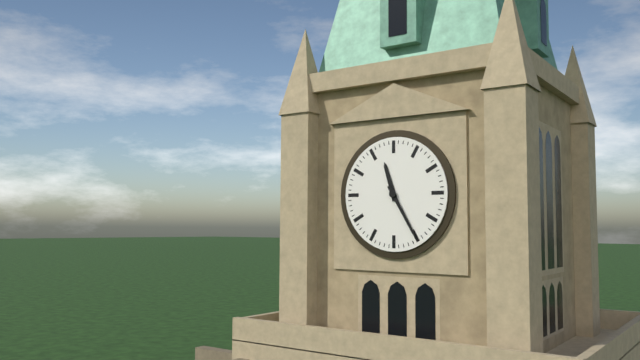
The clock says 11h25
